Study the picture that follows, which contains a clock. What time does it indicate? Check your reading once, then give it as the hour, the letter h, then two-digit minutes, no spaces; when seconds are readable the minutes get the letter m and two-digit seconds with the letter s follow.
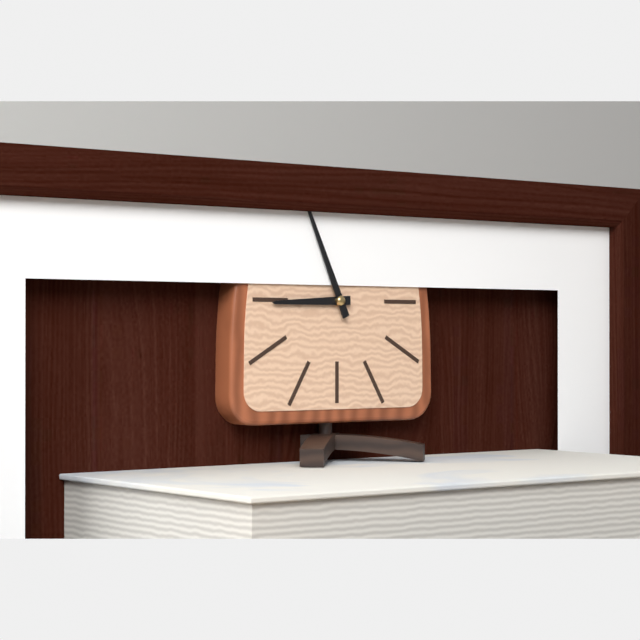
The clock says 8h56
